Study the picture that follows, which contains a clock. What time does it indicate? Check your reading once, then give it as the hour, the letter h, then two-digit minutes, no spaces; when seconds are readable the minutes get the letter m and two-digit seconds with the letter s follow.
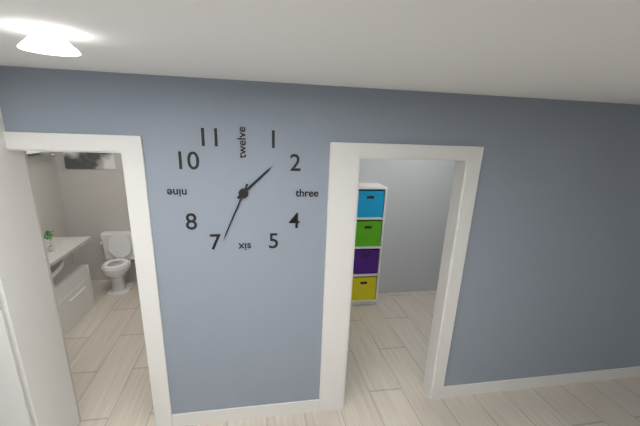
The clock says 1h34
